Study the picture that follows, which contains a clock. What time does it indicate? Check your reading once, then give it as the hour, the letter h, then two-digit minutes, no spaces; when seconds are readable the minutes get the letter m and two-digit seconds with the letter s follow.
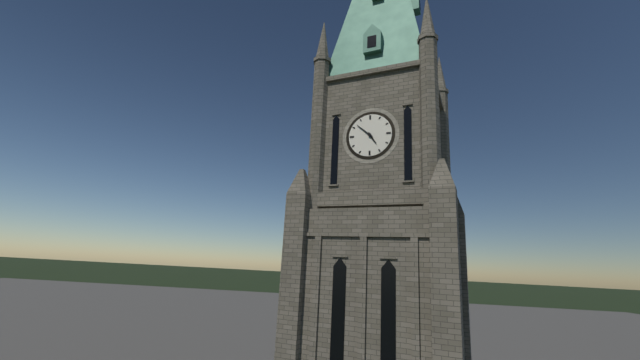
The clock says 4h52
